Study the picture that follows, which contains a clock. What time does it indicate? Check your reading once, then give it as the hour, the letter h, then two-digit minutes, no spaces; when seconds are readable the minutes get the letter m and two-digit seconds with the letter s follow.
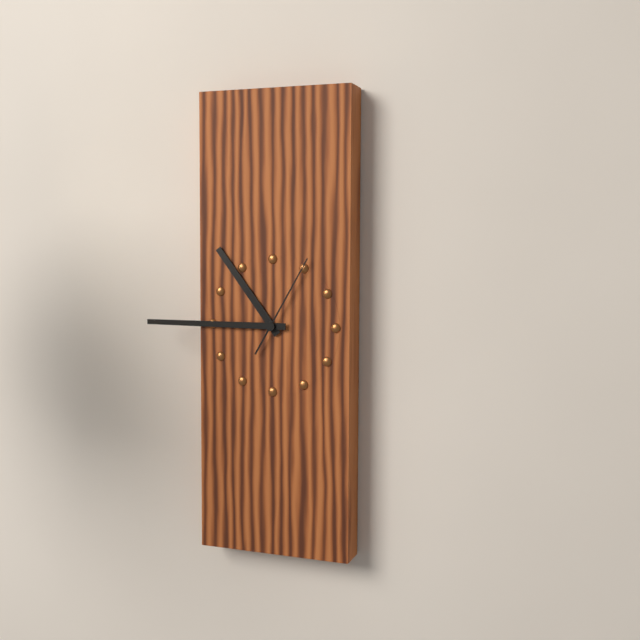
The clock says 10h45m05s
